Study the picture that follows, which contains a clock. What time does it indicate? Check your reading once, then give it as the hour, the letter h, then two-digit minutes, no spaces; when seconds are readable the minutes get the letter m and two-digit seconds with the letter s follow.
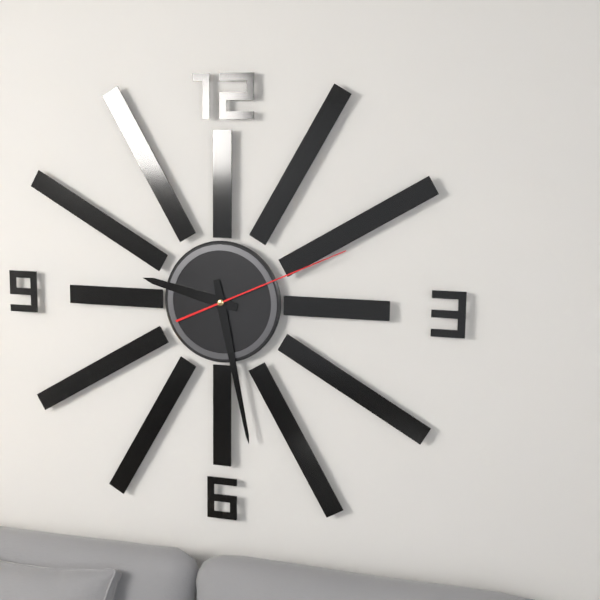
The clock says 9h28m11s
